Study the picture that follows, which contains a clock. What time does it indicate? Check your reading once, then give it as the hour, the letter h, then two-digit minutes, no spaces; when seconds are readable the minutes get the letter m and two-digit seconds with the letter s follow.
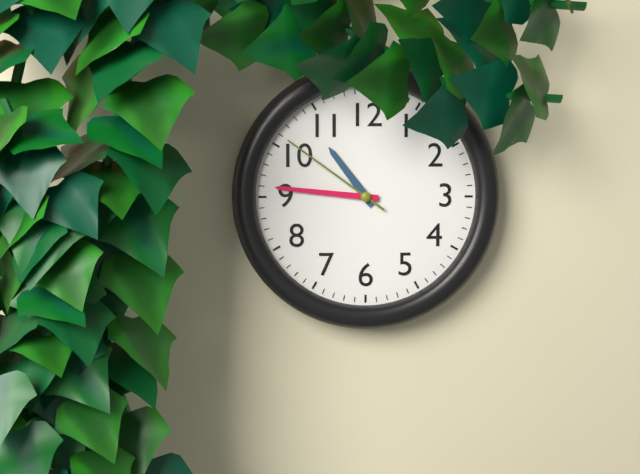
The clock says 10h46m51s
